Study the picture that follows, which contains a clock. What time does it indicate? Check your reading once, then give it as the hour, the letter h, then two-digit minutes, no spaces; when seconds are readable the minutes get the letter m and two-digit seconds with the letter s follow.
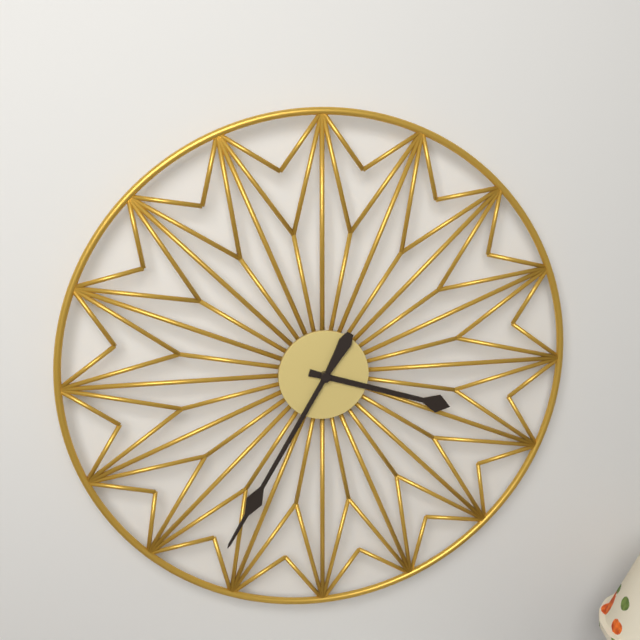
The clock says 3h35
